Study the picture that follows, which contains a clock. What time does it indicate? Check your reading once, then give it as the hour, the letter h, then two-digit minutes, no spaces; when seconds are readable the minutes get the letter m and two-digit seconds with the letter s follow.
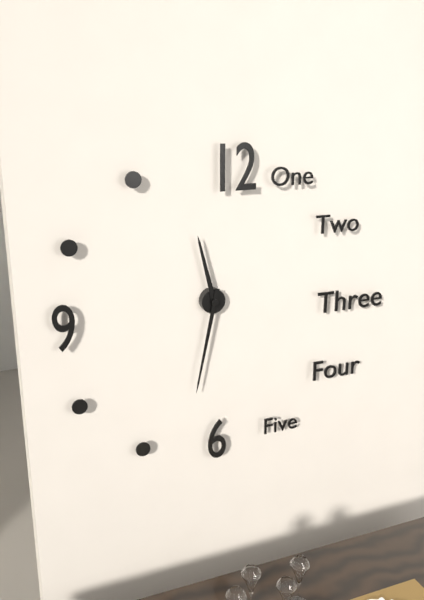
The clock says 11h32
